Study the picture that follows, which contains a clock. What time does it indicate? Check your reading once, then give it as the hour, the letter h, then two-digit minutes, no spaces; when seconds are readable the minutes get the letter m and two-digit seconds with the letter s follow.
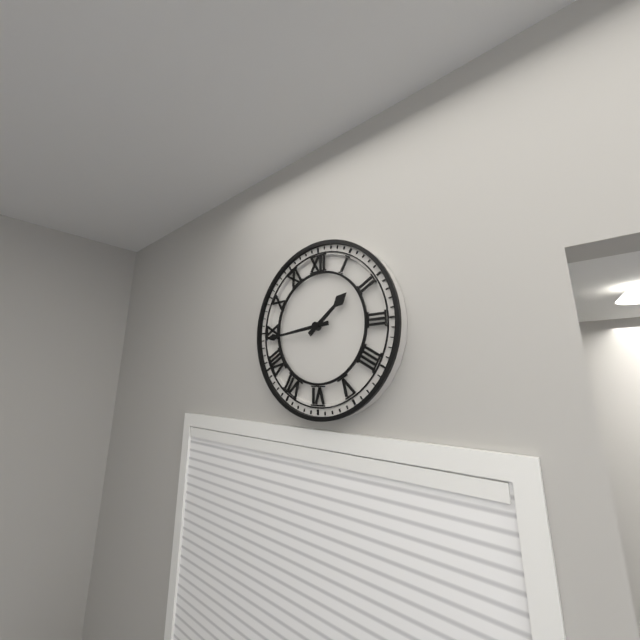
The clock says 1h44
